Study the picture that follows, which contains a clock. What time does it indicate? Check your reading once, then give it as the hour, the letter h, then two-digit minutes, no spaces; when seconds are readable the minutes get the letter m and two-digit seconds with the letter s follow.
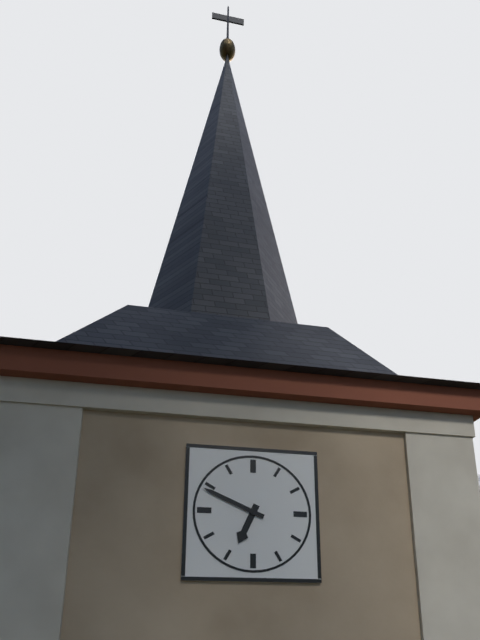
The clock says 6h49
